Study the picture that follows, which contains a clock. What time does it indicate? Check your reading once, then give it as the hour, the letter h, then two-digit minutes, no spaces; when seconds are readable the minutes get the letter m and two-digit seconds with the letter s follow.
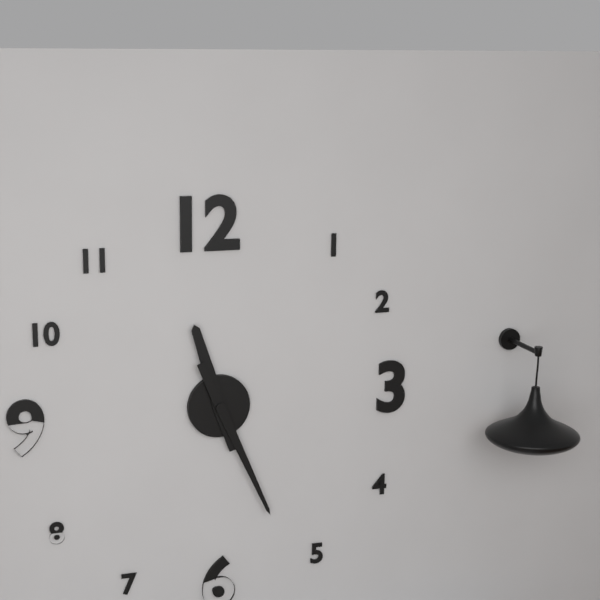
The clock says 11h26
